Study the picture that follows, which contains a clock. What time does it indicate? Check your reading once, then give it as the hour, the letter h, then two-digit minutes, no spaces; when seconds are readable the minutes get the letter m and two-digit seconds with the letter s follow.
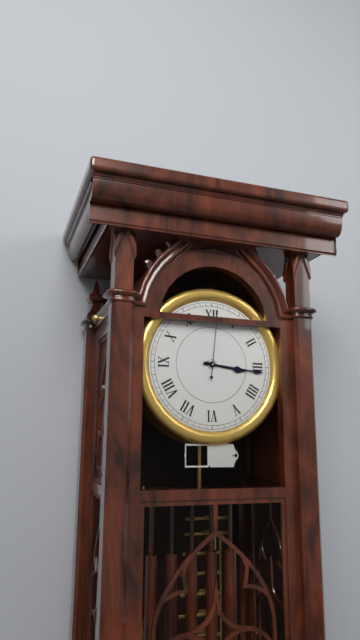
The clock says 3h16m01s
